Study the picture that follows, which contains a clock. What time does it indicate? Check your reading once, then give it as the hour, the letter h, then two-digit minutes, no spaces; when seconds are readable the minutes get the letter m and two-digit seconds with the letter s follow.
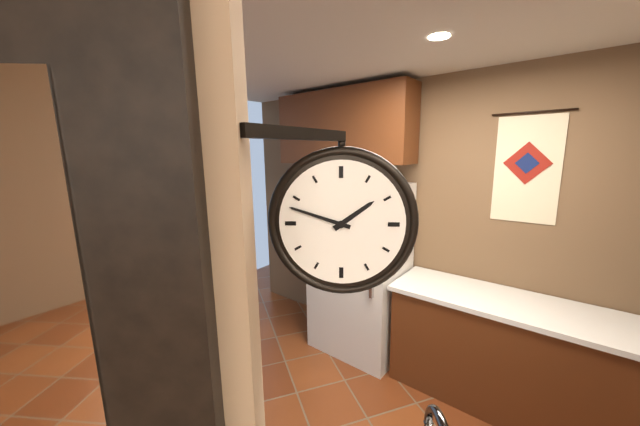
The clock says 1h48
